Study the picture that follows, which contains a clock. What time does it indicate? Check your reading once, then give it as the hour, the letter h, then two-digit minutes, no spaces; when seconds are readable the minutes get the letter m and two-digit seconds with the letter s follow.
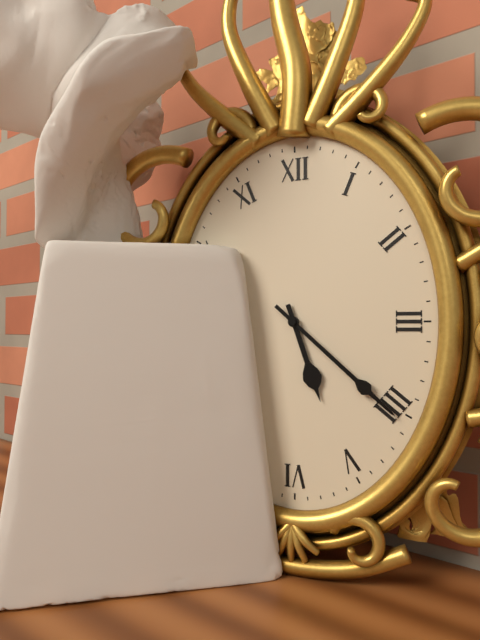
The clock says 5h22
